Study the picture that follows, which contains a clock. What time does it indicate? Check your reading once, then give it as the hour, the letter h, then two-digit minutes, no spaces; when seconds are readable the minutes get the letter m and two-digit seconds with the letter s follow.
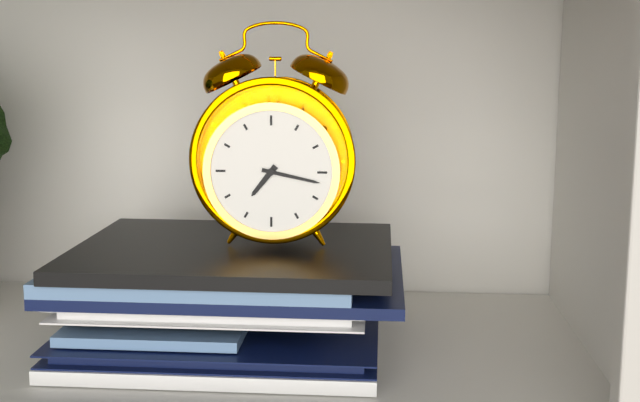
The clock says 7h17
